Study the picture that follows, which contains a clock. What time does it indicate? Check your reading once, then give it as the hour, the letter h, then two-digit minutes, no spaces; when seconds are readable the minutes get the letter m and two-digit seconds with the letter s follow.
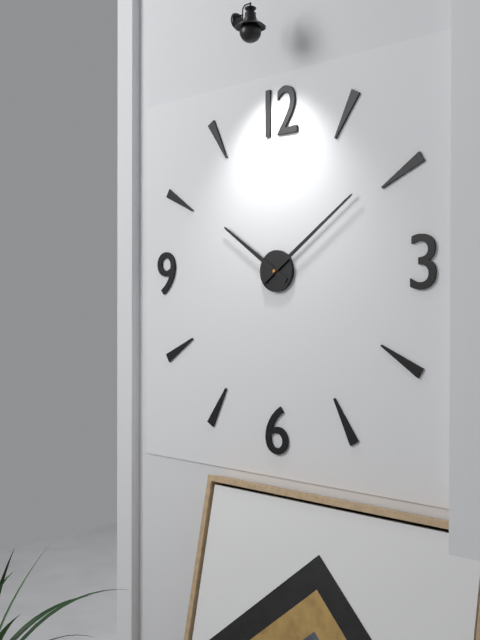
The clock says 10h09
